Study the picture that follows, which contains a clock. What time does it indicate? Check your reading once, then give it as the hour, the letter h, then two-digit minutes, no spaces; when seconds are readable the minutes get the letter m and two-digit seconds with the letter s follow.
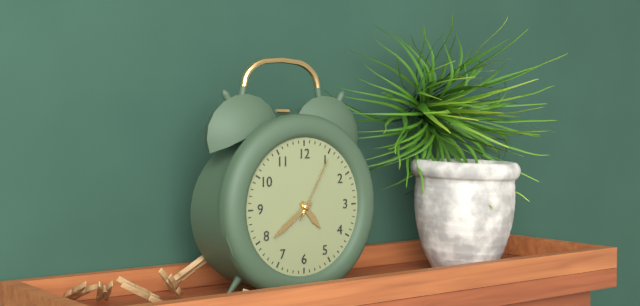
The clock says 4h39m05s
